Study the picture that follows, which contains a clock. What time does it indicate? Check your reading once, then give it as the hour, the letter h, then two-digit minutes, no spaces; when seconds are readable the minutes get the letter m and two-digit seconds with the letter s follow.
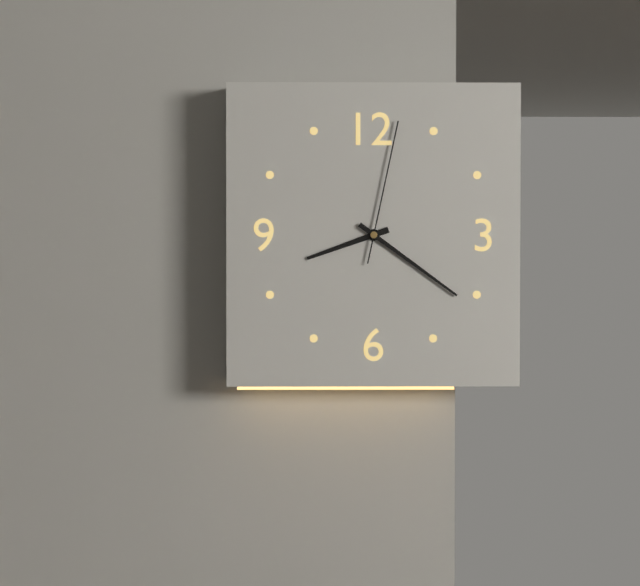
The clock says 8h21m02s
